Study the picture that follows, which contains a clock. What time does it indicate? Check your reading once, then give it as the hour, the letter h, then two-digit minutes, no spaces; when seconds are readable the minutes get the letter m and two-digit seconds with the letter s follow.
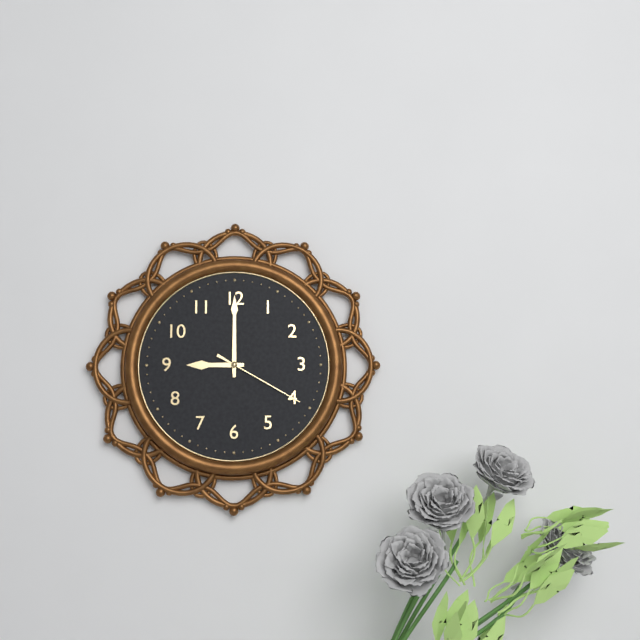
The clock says 9h00m20s
